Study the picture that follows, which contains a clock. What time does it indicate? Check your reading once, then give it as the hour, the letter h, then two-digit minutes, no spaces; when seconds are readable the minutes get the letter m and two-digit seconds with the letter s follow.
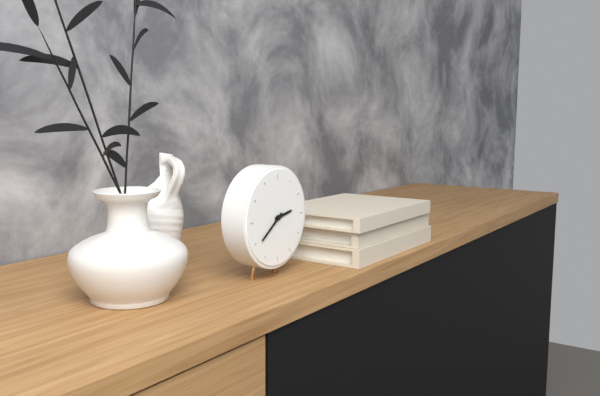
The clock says 2h39
